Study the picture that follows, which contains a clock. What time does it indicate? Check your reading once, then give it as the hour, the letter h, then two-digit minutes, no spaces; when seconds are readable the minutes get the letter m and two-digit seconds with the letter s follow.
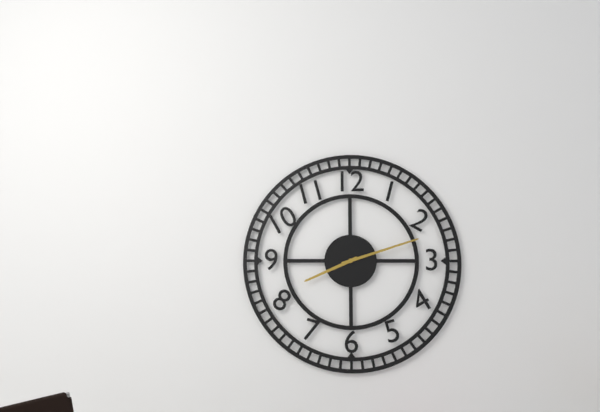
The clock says 8h12
